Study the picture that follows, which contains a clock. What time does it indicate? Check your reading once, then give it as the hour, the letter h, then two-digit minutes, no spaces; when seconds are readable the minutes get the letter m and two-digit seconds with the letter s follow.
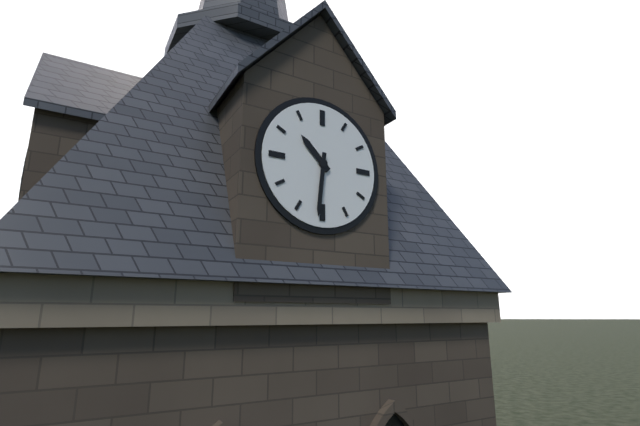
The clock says 10h31
